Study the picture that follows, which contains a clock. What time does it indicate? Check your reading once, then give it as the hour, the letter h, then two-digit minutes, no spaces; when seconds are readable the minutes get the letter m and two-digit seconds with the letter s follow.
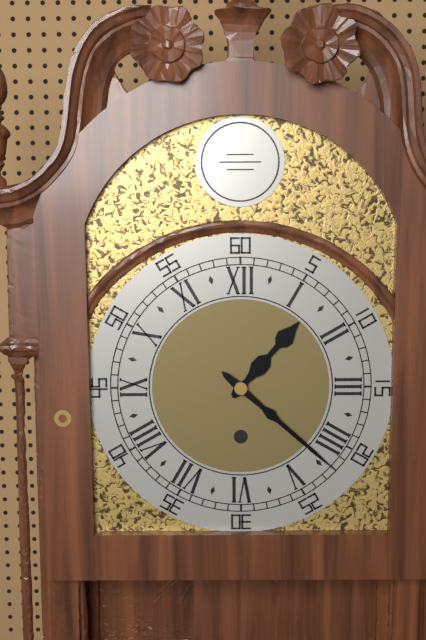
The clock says 1h22
